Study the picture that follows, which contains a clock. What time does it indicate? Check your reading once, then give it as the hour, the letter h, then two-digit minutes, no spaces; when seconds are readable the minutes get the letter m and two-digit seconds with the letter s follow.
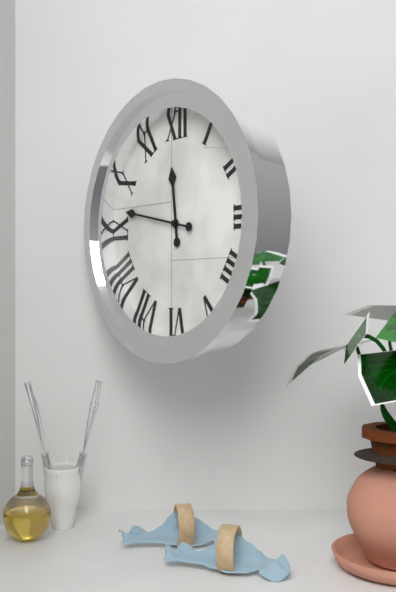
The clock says 11h47
